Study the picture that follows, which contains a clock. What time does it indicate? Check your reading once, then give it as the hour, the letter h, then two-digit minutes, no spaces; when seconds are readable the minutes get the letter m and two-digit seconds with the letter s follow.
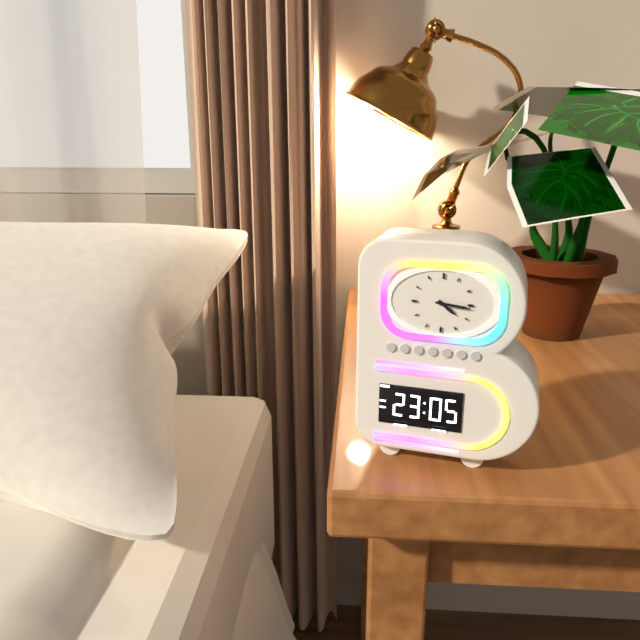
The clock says 4h16
